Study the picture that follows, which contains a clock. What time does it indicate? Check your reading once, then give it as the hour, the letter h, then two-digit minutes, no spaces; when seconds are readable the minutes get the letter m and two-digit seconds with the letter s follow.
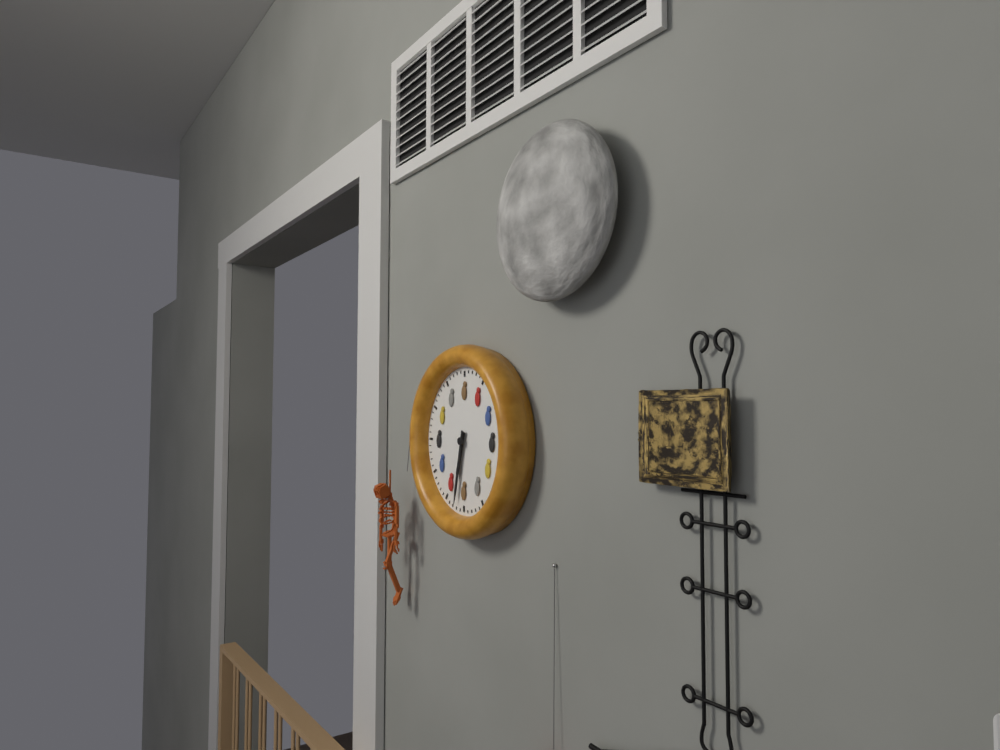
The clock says 6h32
